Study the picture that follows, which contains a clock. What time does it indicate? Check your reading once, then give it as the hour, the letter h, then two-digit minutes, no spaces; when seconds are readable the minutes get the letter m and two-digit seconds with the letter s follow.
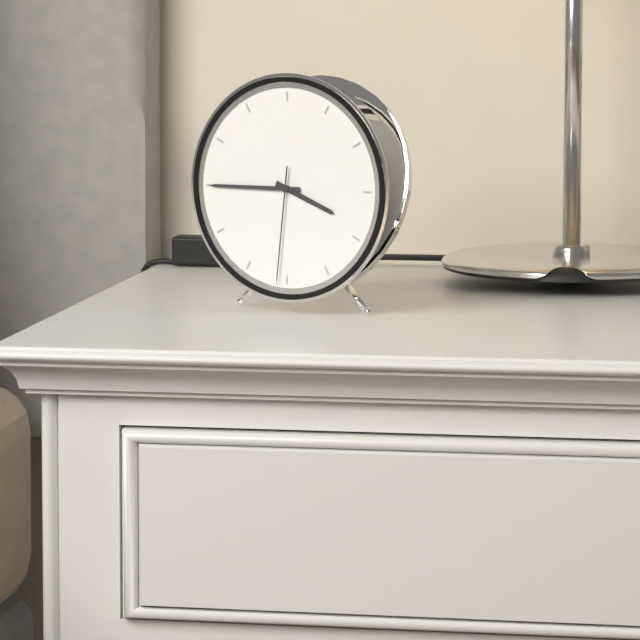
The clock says 3h45m31s
